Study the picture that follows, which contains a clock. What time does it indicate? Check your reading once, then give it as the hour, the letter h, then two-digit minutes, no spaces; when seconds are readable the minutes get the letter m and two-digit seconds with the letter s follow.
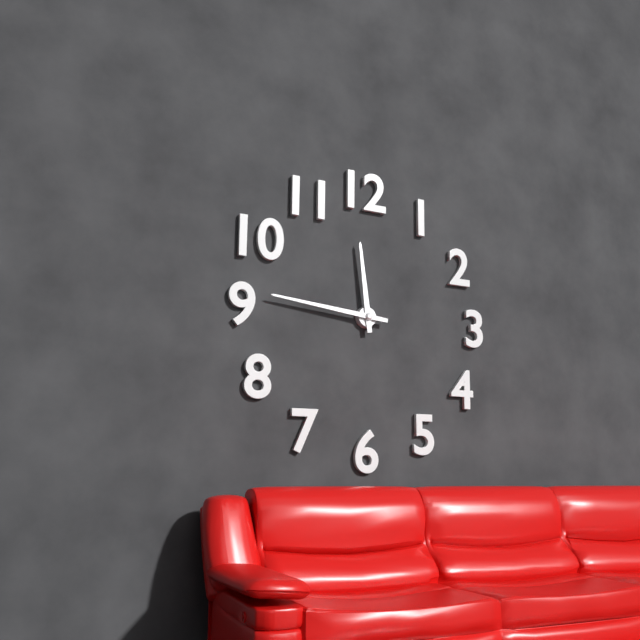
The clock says 11h46
